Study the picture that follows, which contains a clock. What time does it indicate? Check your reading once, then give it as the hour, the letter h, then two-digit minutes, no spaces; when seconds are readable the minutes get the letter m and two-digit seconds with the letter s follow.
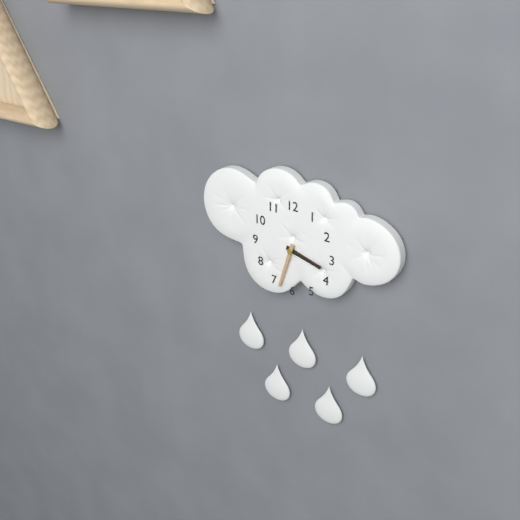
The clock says 3h33
